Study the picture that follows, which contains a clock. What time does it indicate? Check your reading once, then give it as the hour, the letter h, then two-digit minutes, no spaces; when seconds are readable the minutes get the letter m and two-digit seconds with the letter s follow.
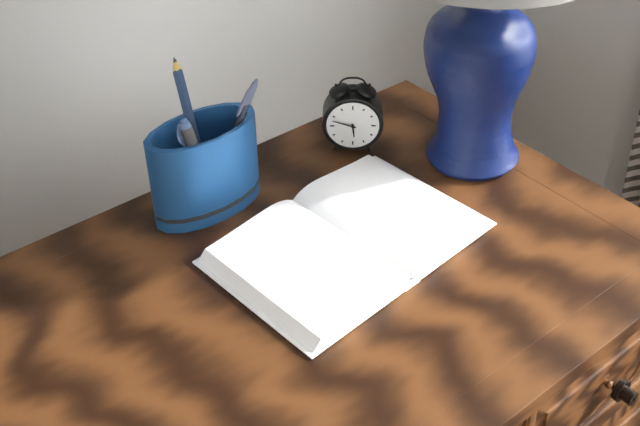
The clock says 5h48
